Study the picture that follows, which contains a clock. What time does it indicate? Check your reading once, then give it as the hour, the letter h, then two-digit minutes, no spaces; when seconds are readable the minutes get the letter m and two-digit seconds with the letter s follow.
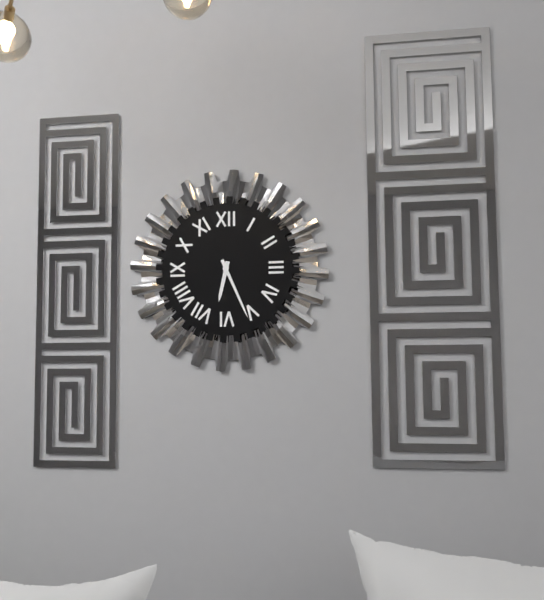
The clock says 6h26
